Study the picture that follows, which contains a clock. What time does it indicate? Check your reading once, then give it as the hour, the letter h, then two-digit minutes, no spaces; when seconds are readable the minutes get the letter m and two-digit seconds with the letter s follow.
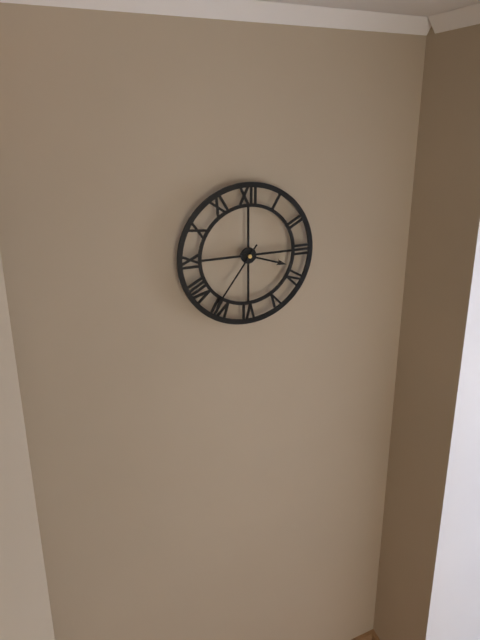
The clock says 3h36
